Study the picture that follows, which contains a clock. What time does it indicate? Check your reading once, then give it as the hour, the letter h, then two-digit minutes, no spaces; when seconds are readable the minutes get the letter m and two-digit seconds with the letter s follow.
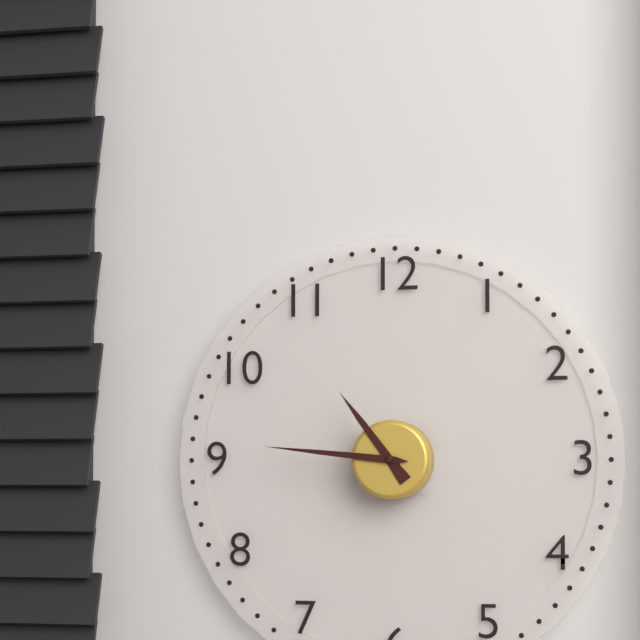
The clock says 10h46
